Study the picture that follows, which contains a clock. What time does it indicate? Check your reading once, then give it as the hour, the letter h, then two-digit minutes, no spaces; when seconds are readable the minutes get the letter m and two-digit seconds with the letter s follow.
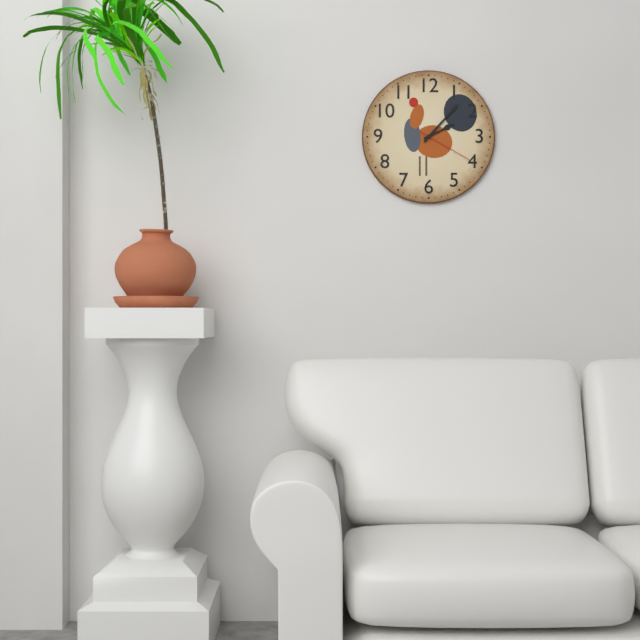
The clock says 2h07m20s
